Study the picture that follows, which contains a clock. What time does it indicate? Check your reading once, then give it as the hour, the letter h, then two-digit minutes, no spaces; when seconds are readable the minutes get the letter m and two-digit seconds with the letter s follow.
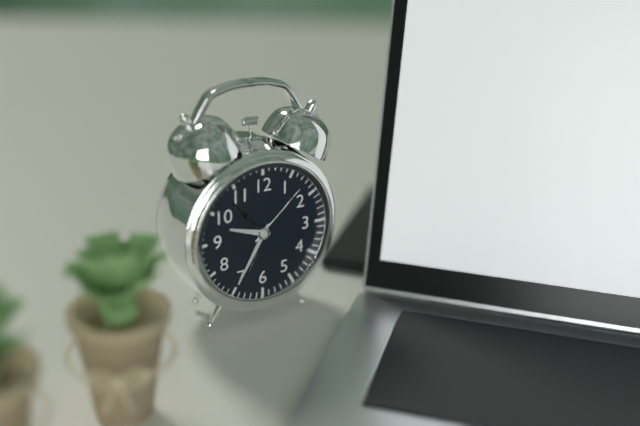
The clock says 9h35
